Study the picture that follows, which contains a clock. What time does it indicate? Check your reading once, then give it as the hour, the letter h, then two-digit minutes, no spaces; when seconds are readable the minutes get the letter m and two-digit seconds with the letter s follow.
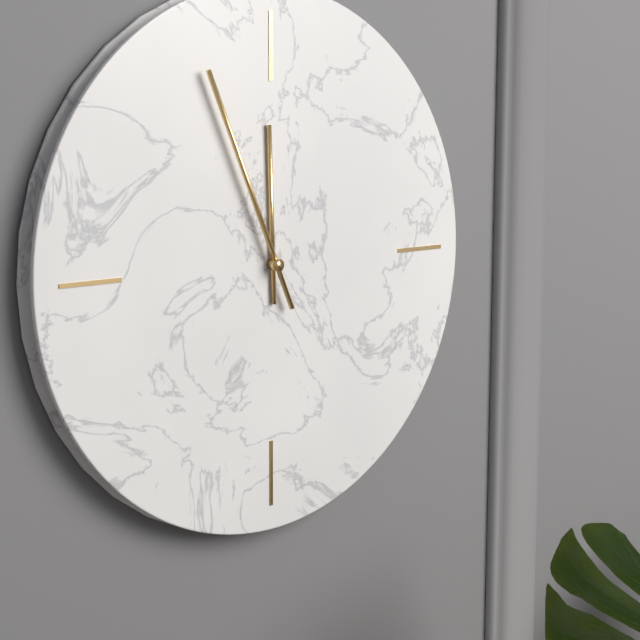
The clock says 11h56
